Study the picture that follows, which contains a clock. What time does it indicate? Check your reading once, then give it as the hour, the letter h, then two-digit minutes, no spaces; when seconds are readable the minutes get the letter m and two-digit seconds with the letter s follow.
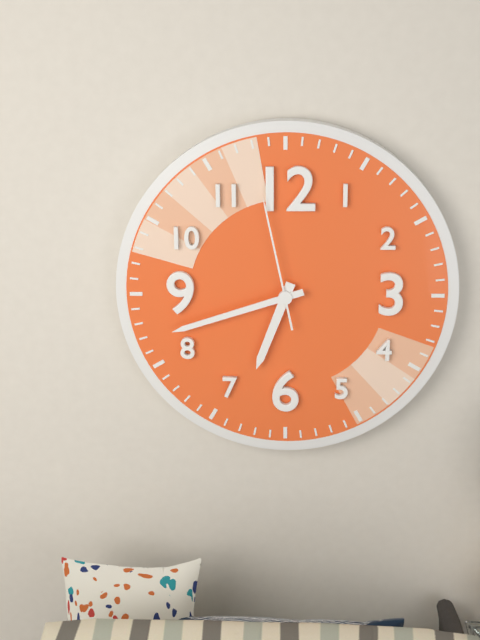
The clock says 6h42m58s
